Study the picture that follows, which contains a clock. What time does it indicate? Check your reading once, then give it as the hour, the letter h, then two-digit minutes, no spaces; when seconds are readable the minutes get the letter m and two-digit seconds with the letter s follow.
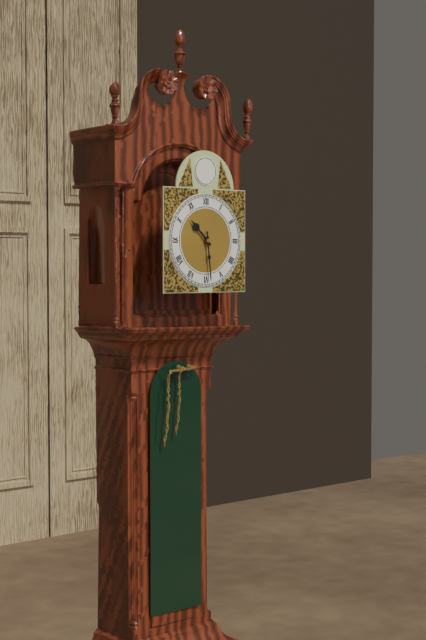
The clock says 10h29
